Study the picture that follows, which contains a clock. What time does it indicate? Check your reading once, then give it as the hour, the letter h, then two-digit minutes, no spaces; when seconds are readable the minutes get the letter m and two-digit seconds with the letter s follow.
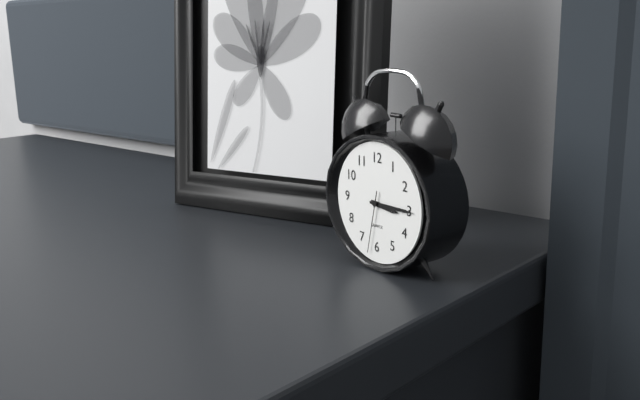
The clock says 3h15m32s
